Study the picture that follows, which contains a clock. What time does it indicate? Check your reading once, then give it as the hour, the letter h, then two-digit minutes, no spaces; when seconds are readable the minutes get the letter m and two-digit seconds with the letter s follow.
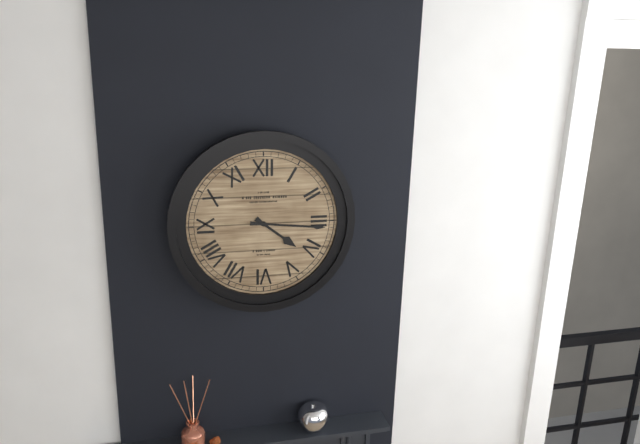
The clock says 4h16
